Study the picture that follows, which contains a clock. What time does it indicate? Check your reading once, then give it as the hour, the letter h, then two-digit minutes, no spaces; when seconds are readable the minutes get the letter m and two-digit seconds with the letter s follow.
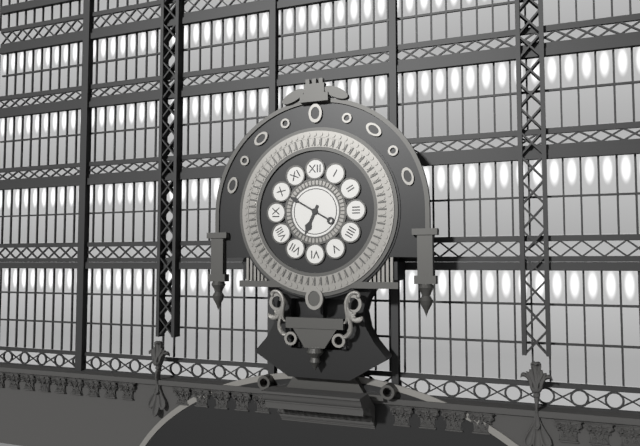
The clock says 6h50
